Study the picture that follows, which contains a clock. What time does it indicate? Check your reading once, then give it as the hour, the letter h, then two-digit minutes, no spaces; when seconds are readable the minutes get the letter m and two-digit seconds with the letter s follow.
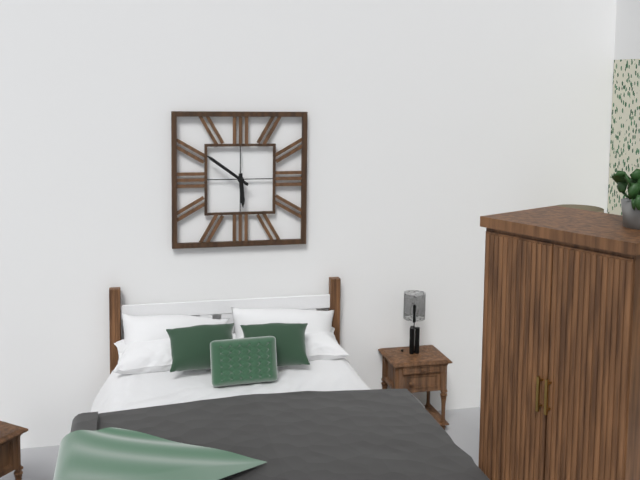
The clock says 5h51
